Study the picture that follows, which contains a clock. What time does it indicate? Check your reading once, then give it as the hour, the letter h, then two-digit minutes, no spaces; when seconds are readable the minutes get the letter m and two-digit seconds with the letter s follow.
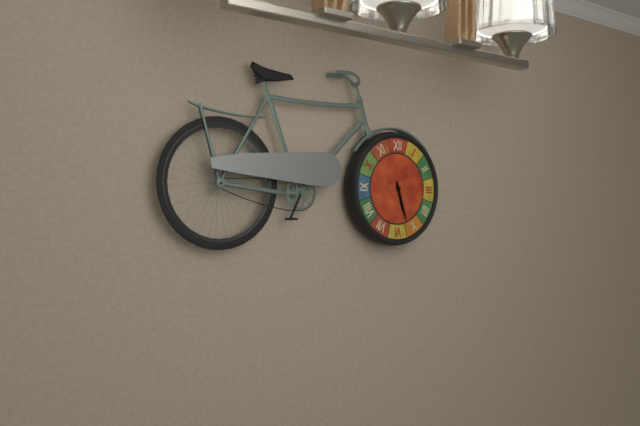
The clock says 5h27
